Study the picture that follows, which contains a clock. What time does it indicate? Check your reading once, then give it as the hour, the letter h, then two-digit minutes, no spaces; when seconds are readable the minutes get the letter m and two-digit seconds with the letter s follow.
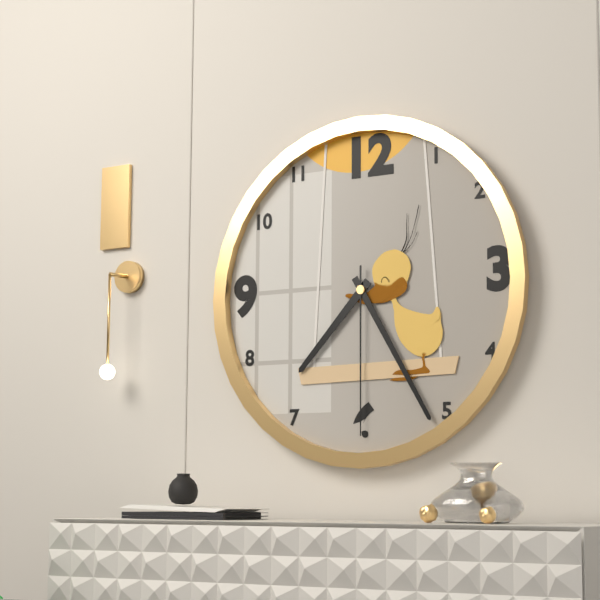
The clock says 7h25m30s
